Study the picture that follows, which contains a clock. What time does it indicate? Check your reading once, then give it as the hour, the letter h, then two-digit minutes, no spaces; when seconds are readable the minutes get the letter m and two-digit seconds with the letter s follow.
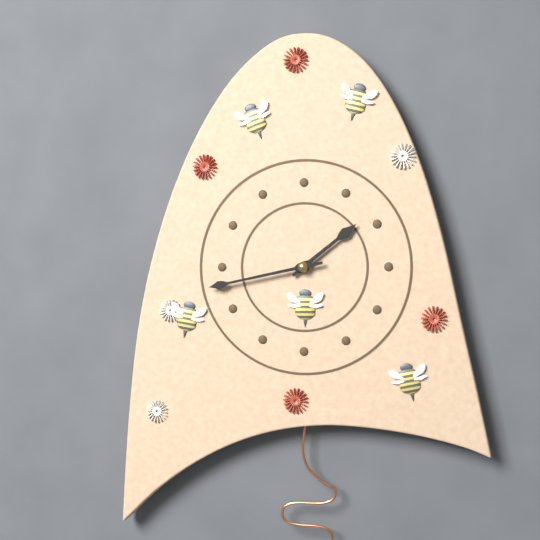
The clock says 1h43
